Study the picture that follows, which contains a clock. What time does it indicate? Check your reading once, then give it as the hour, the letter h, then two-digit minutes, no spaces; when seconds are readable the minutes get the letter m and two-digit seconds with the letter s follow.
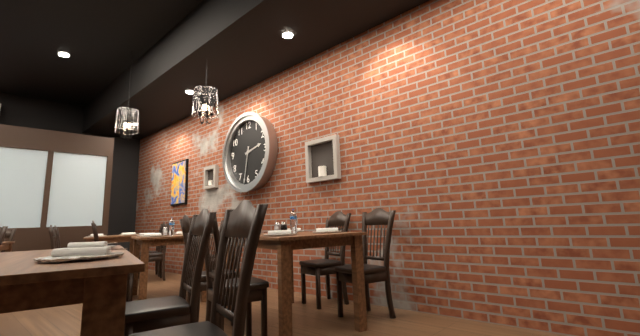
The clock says 2h32
